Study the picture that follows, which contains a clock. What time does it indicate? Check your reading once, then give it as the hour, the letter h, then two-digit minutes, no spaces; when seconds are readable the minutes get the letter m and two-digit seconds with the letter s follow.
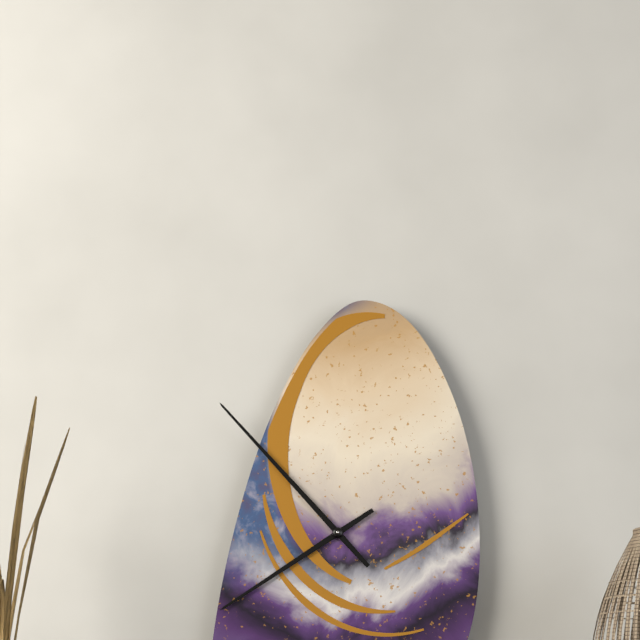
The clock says 7h53
